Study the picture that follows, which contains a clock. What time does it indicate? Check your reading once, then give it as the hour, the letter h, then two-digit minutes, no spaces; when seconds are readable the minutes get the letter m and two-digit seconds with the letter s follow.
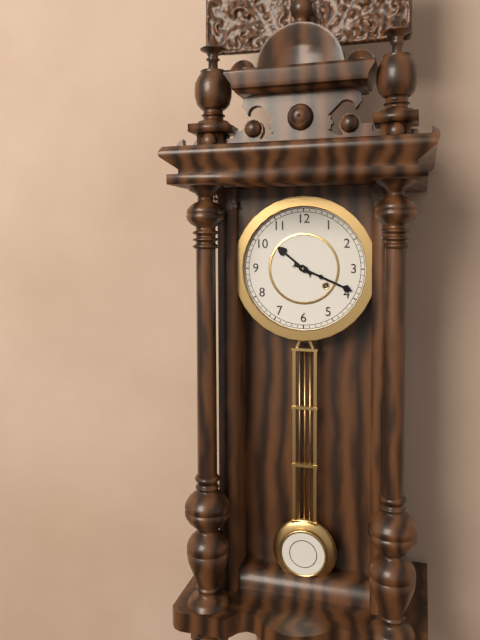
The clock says 10h19
